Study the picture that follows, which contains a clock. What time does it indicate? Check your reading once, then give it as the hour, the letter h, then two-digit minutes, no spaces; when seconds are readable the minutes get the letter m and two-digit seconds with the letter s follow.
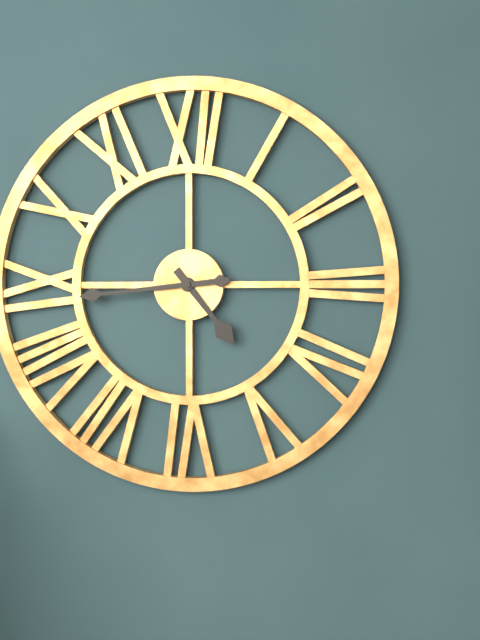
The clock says 4h44
